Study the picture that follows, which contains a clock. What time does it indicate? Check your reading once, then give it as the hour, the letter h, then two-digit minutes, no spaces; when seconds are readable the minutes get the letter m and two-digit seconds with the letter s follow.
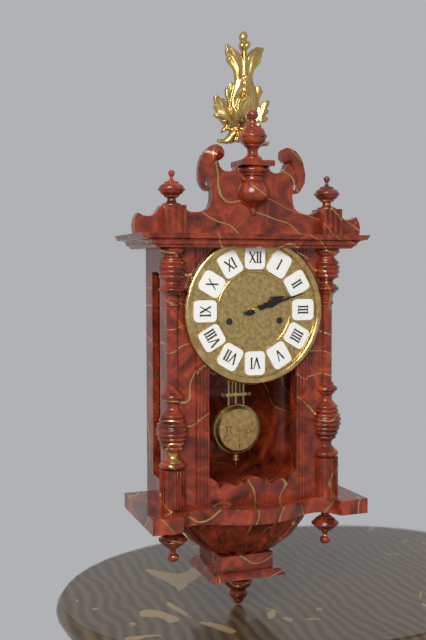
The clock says 2h12
